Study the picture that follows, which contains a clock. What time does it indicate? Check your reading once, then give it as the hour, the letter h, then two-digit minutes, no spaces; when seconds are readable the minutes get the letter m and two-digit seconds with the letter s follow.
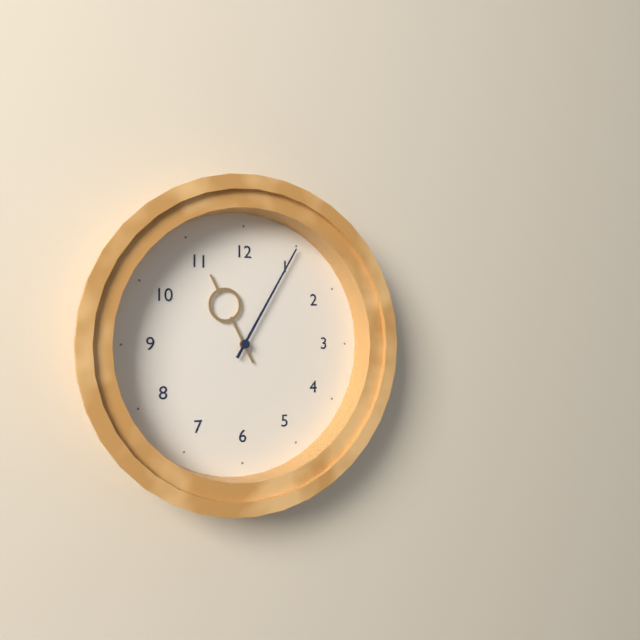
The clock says 11h05
